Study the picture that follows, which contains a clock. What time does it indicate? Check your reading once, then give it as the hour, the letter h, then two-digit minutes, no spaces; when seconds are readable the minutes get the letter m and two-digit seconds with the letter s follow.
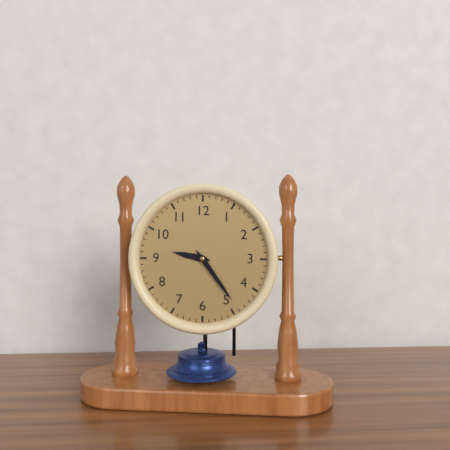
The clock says 9h24
